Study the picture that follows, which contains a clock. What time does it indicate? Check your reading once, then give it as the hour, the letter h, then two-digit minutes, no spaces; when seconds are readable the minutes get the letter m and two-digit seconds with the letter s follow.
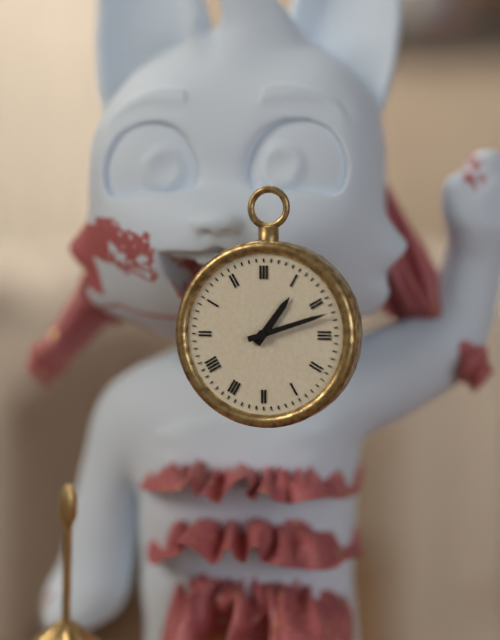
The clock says 1h12
